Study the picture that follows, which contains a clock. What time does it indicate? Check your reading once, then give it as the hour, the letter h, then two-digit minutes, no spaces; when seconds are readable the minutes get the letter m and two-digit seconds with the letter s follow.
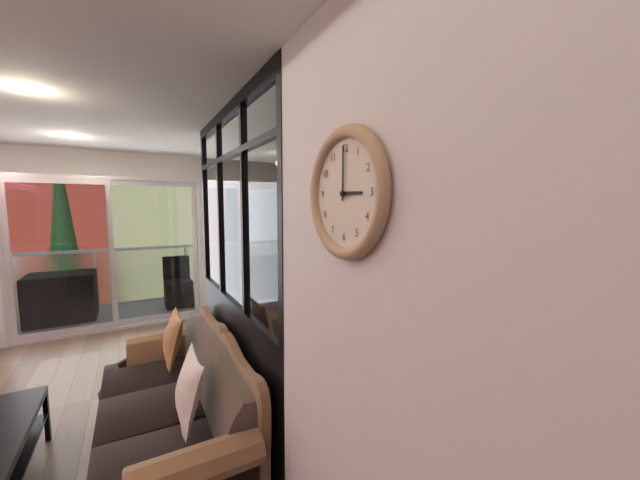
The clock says 3h00
